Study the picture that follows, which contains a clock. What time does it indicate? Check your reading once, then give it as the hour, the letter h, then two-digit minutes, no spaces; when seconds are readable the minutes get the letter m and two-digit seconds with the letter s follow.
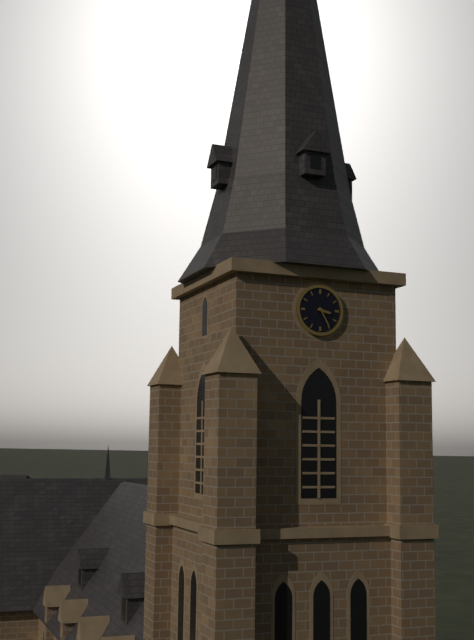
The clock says 3h25
